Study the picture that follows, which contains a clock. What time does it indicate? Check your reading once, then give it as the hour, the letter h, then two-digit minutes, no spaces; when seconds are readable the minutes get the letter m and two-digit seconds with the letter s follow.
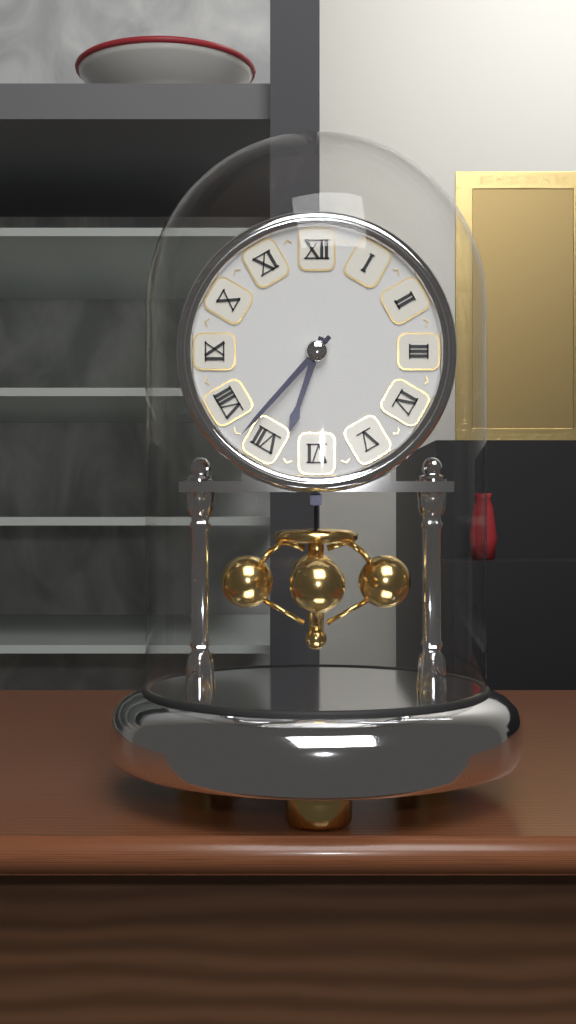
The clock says 6h37
